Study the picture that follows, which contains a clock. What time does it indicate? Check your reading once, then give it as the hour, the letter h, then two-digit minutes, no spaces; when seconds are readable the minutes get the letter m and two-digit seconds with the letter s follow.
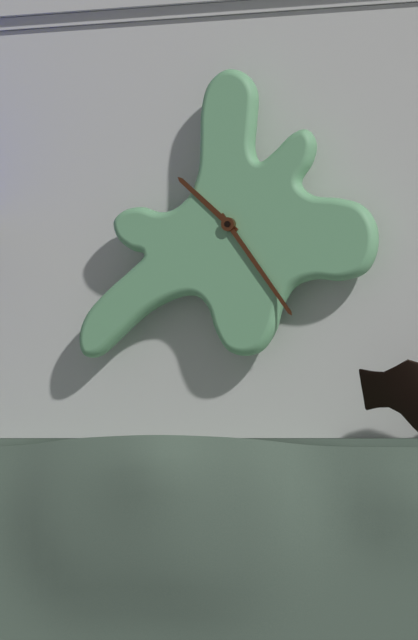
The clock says 10h24
